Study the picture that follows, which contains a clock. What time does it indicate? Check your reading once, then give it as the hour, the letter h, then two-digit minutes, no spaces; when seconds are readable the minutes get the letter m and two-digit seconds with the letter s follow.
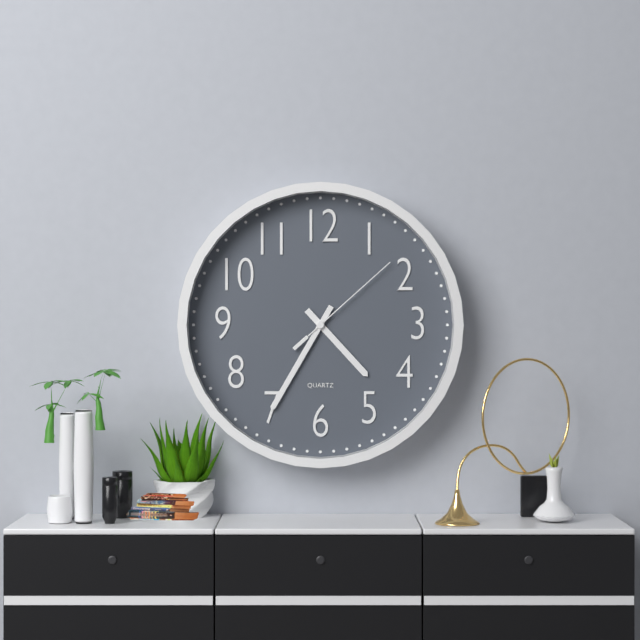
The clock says 4h35m08s
